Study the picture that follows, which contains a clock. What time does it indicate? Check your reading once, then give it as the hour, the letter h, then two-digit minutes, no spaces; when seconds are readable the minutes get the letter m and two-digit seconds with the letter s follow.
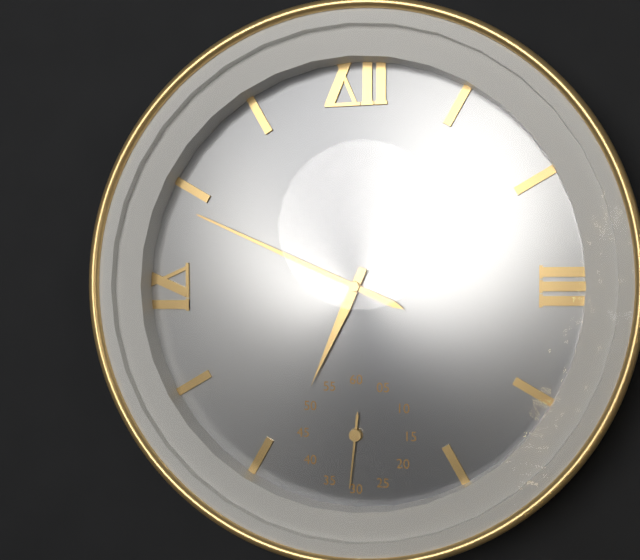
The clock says 6h49m31s
